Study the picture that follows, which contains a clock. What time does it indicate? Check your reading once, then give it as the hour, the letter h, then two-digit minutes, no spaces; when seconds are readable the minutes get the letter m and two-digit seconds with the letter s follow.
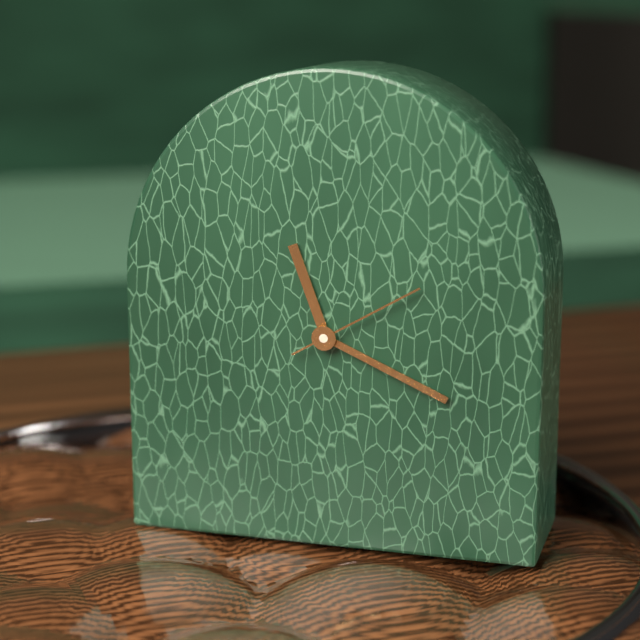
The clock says 11h19m10s
